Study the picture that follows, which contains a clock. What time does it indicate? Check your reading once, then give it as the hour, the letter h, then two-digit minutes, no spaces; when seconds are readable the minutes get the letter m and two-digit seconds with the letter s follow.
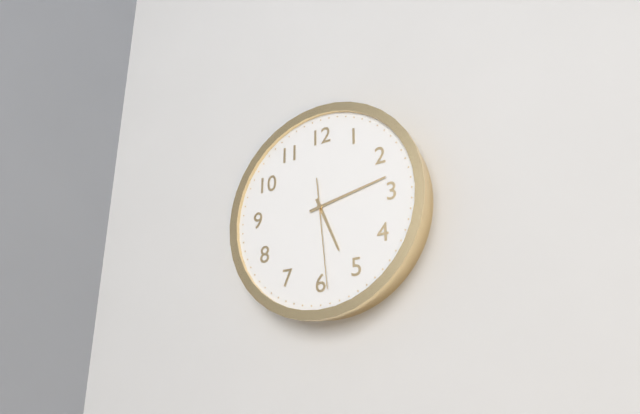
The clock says 5h13m29s
